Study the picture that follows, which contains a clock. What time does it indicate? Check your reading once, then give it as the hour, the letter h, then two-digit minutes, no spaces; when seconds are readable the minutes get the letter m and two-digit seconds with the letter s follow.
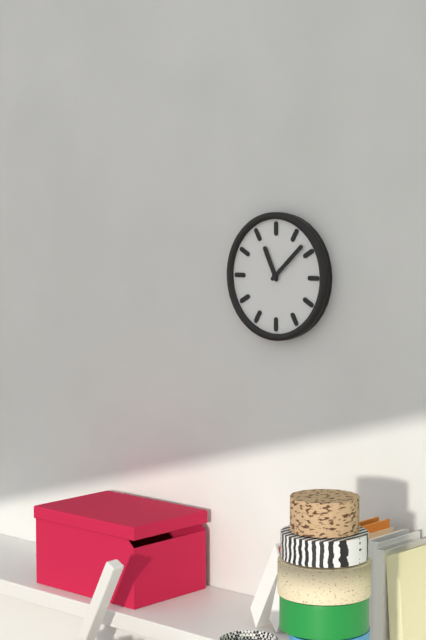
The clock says 11h08
